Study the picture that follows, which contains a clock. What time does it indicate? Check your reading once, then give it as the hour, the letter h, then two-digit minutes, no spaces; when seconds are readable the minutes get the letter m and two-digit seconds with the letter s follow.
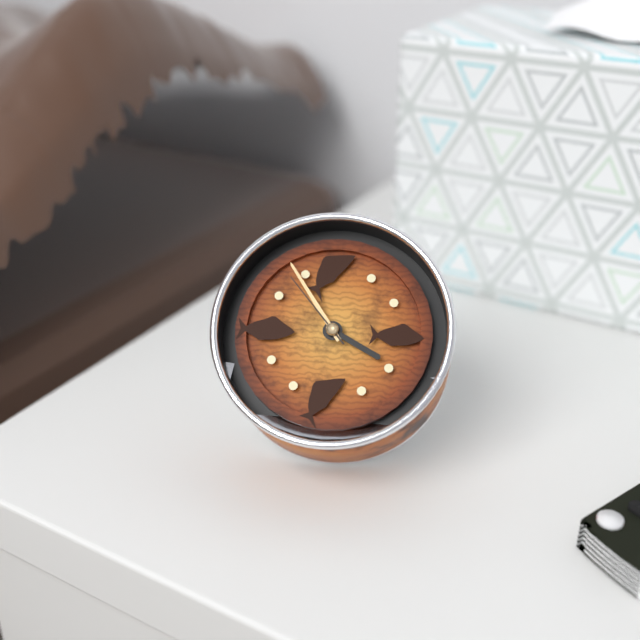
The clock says 3h54m53s
